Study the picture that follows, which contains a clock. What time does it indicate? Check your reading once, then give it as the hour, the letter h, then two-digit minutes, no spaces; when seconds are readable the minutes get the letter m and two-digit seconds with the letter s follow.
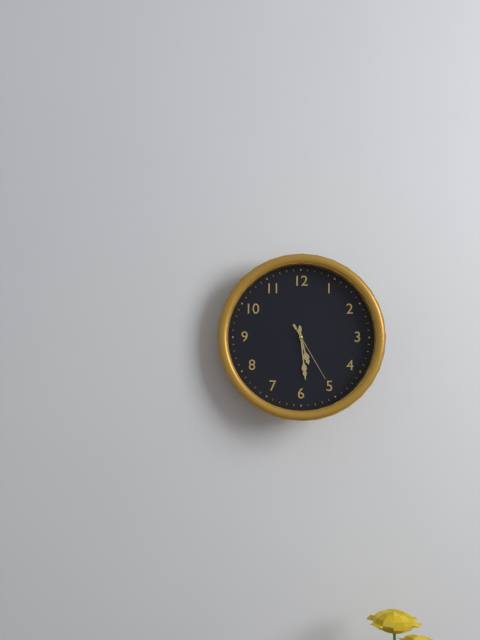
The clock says 5h29m25s
